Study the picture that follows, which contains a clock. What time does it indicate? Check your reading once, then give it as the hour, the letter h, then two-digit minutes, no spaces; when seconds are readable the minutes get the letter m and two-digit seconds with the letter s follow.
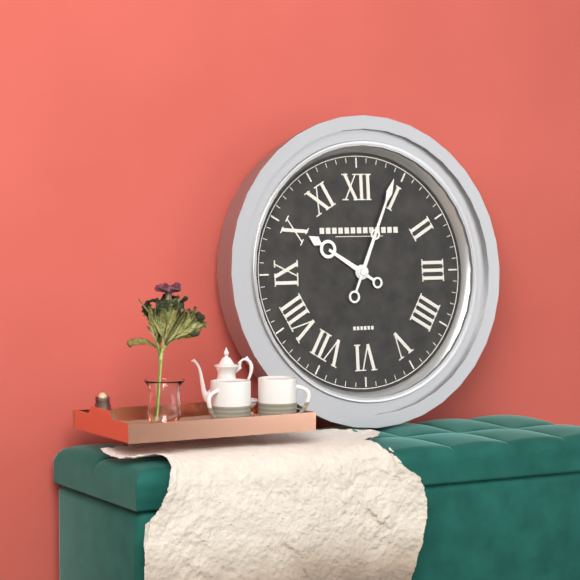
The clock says 10h04
